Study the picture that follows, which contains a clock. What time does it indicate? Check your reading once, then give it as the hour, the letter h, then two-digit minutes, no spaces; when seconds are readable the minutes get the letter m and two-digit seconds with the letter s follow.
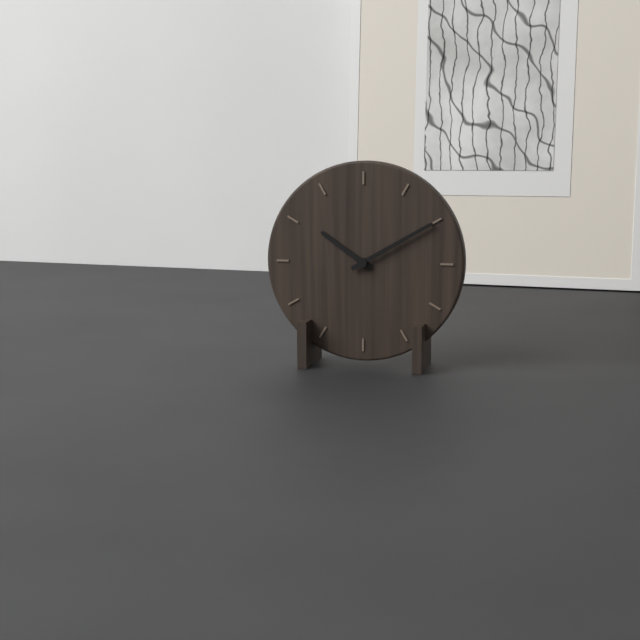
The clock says 10h10
